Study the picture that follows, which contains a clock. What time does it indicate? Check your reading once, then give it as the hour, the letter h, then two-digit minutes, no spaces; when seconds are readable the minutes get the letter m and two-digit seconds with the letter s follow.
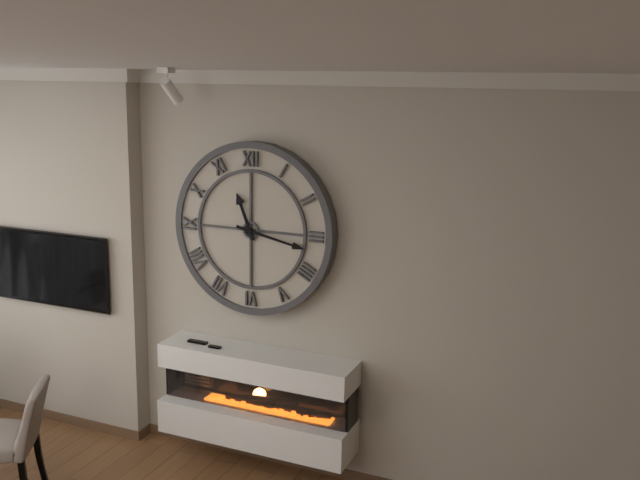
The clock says 11h17
